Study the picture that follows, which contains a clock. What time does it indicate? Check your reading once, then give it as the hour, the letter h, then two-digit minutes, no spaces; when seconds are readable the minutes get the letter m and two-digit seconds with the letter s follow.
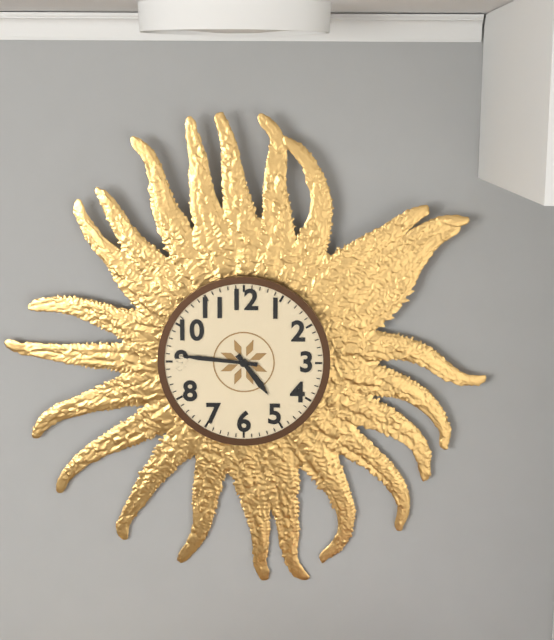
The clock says 4h46
